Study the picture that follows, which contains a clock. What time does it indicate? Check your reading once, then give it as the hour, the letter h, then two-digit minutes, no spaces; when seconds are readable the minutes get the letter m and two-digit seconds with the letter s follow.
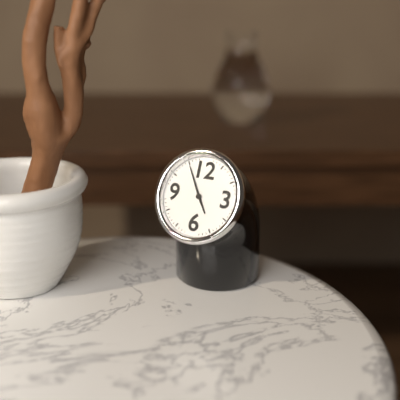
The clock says 4h55
